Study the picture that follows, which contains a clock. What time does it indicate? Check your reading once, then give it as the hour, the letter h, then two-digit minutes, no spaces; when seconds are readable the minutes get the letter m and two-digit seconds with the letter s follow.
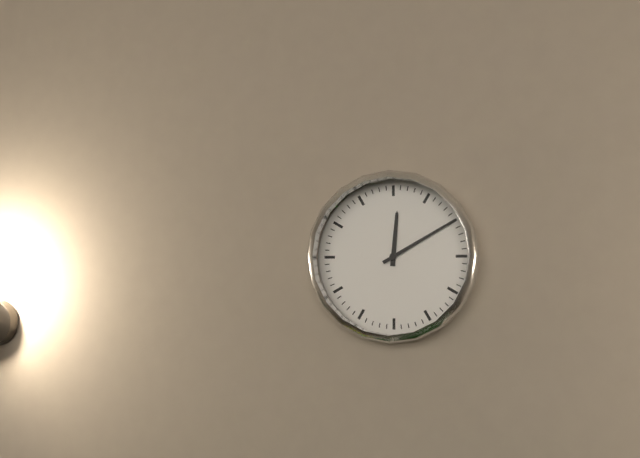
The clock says 12h10
